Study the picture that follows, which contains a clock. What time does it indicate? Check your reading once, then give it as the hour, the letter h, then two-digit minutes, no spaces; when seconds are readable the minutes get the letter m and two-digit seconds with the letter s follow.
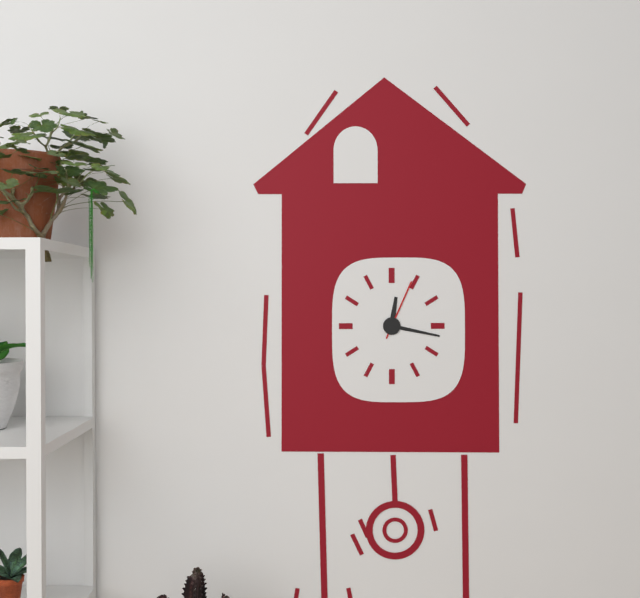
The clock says 12h17m04s
